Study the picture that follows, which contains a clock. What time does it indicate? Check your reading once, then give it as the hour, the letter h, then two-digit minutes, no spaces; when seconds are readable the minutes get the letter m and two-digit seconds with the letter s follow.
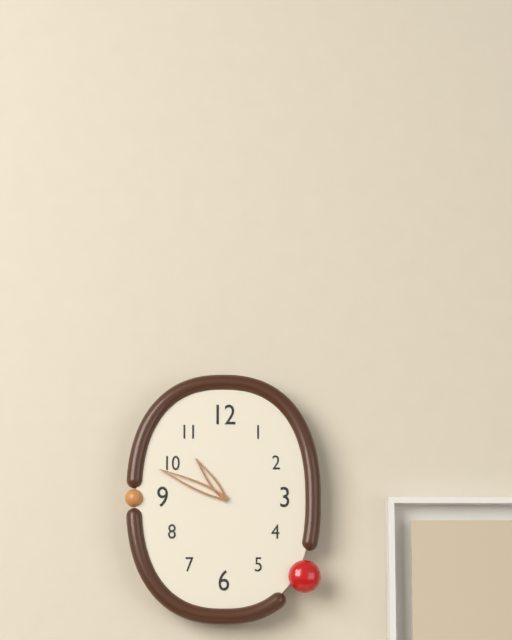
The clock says 10h49
